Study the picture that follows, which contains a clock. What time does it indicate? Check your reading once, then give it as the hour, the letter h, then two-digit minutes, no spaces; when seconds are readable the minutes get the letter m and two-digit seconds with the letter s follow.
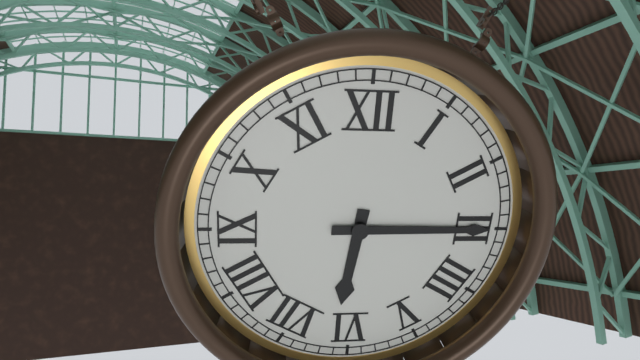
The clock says 6h15
